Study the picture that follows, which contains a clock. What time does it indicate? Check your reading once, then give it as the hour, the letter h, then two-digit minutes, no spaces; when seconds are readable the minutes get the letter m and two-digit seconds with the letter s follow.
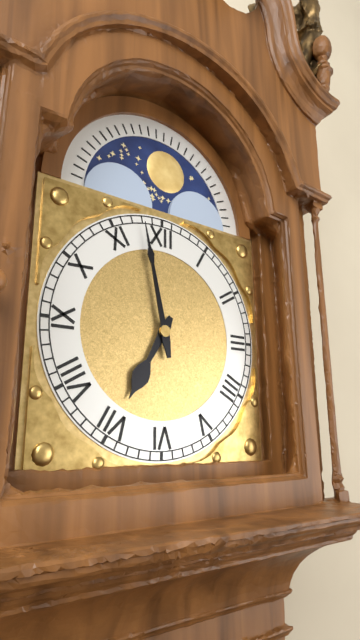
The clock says 6h58
